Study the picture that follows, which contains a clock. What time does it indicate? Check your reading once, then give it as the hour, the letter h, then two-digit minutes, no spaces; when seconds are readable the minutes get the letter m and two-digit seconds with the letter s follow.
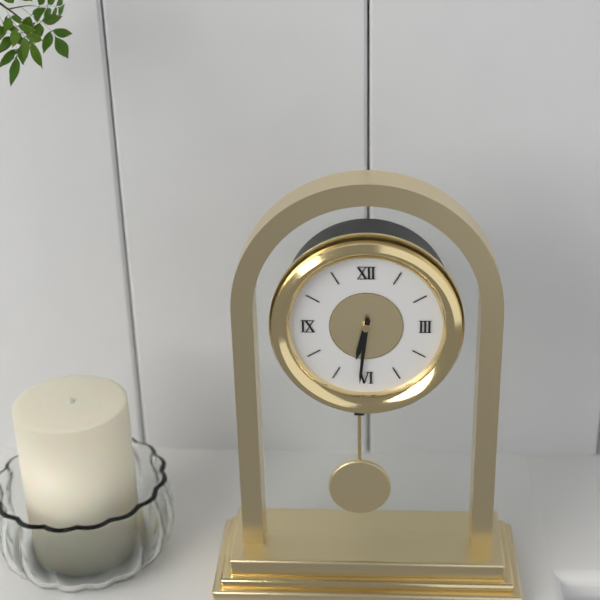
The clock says 6h31
